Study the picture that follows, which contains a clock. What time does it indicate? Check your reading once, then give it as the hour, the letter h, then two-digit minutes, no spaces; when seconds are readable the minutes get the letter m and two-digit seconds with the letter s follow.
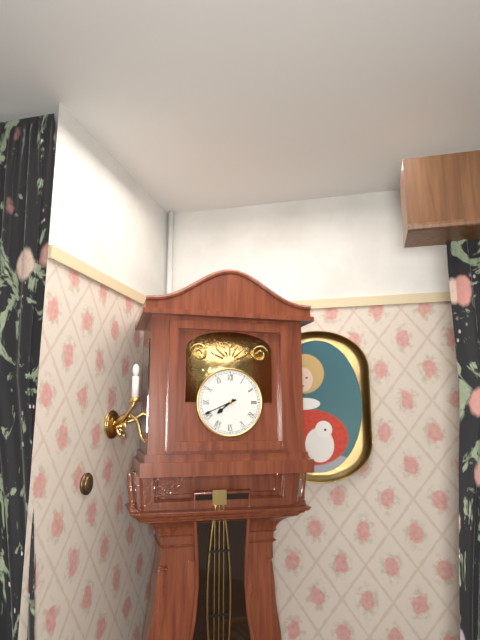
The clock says 7h41
